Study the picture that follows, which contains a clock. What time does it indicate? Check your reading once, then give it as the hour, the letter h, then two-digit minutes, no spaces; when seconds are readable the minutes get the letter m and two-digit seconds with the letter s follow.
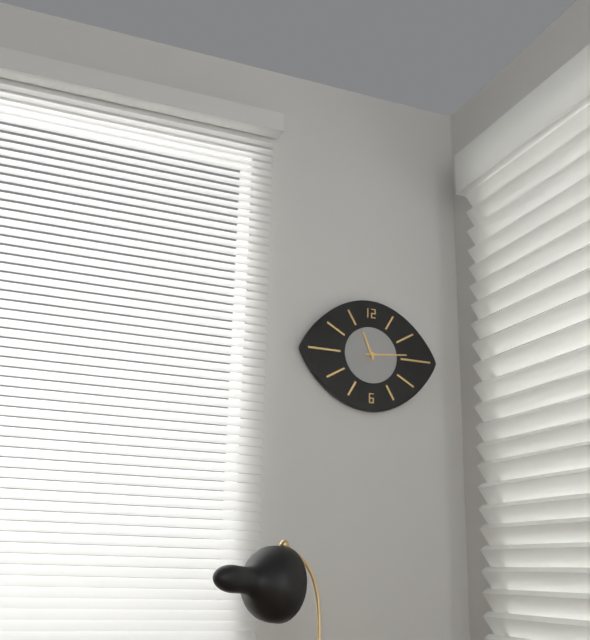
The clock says 11h14
